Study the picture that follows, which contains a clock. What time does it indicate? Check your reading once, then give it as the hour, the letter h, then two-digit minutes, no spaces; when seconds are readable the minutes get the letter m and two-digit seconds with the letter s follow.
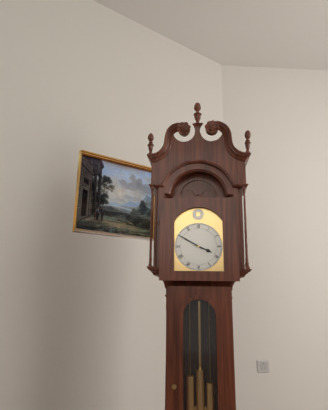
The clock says 3h50
